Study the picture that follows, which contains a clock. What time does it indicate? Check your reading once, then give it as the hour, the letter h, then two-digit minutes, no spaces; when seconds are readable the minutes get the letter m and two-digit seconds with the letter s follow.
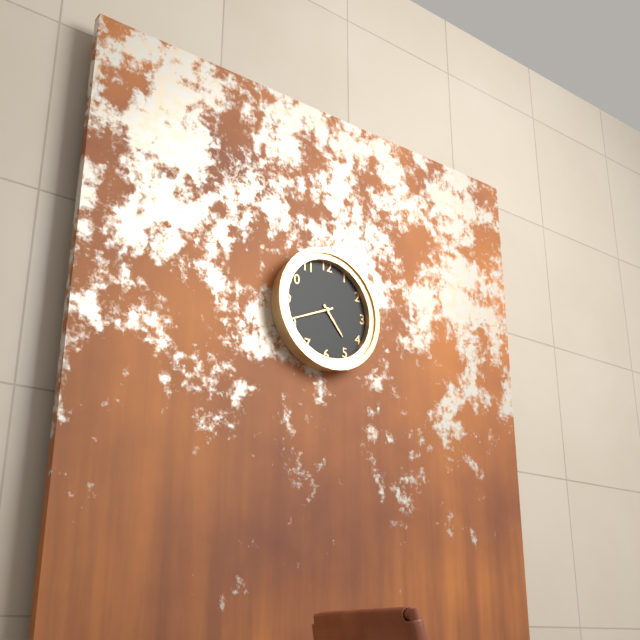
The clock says 4h41
